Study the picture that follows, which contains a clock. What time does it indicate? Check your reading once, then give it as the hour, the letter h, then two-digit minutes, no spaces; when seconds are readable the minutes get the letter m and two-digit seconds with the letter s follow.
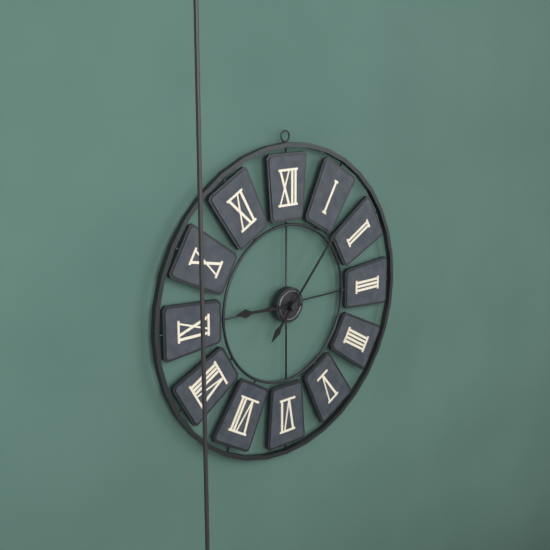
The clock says 9h07
